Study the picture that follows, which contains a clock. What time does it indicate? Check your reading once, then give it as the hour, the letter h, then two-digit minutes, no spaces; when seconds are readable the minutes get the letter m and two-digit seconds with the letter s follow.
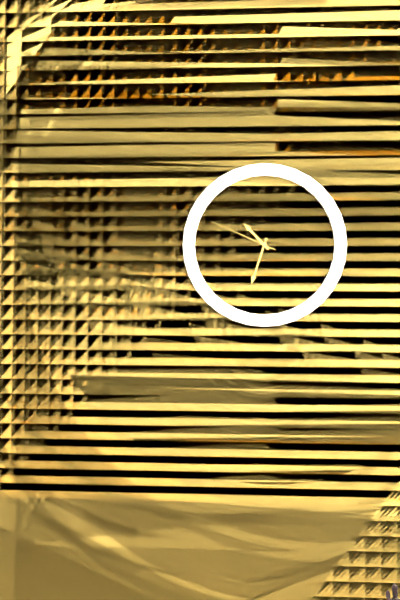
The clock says 10h33m49s
